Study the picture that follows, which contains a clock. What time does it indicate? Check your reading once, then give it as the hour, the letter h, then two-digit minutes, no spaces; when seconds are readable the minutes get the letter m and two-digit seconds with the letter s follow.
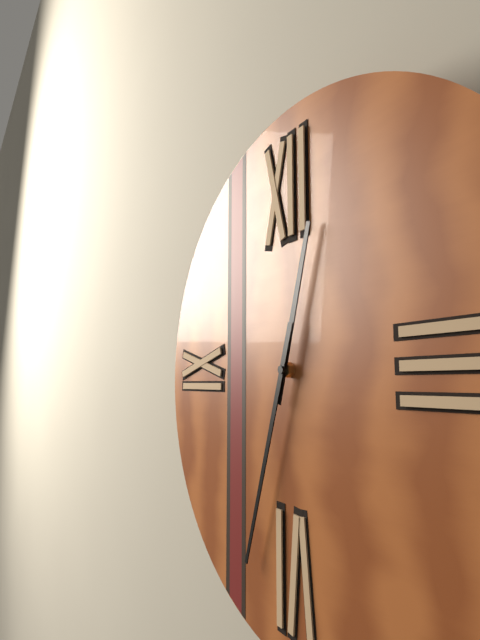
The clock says 12h33
